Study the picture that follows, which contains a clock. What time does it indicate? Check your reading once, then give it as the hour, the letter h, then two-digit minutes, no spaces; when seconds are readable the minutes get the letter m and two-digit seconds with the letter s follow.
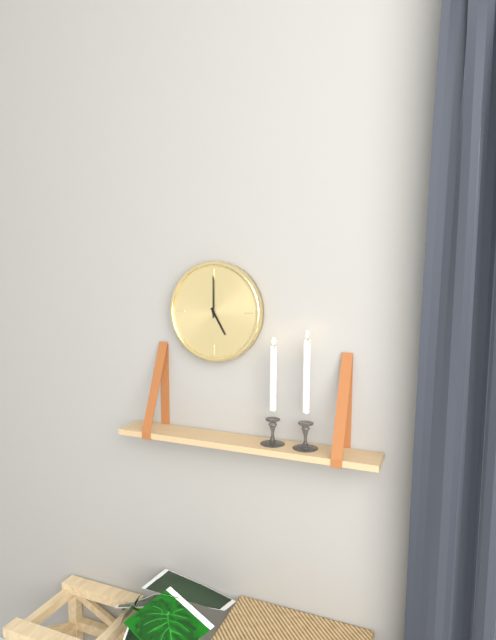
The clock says 5h00
